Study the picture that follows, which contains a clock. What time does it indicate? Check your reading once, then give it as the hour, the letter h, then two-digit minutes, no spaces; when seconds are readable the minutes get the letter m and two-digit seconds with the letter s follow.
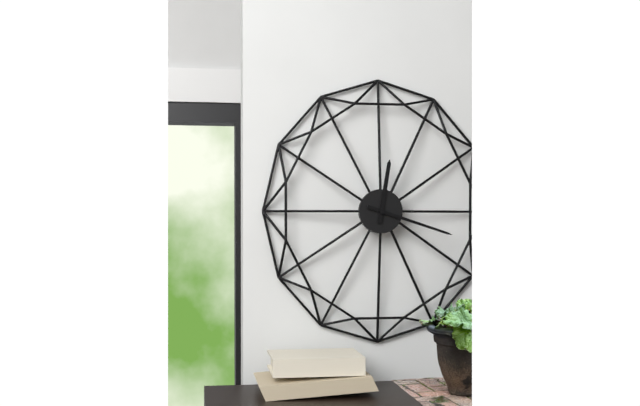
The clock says 12h18
